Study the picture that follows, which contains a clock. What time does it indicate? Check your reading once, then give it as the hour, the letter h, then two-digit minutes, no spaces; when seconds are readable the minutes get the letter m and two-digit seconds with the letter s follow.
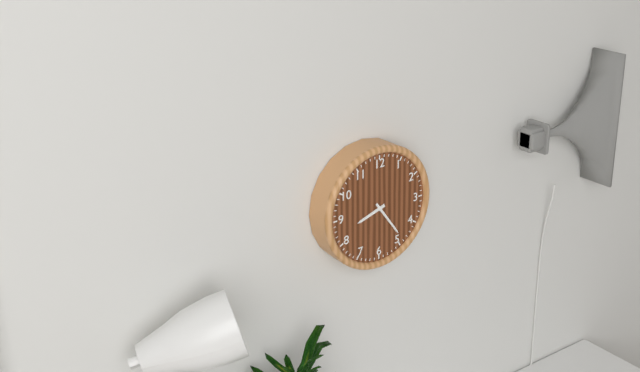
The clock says 8h24
